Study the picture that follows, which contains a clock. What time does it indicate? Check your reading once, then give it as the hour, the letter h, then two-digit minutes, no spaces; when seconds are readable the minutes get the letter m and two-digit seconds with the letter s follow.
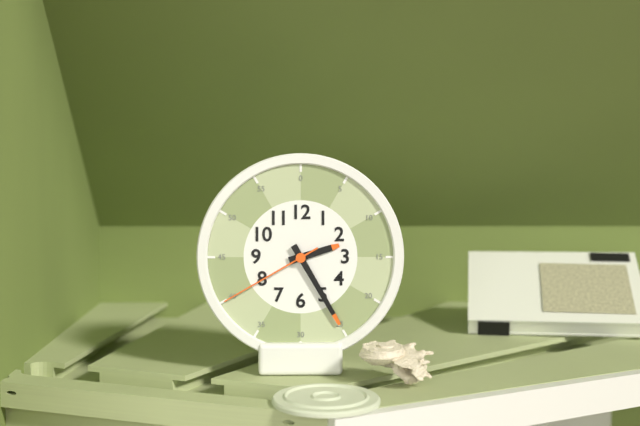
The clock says 2h25m40s
